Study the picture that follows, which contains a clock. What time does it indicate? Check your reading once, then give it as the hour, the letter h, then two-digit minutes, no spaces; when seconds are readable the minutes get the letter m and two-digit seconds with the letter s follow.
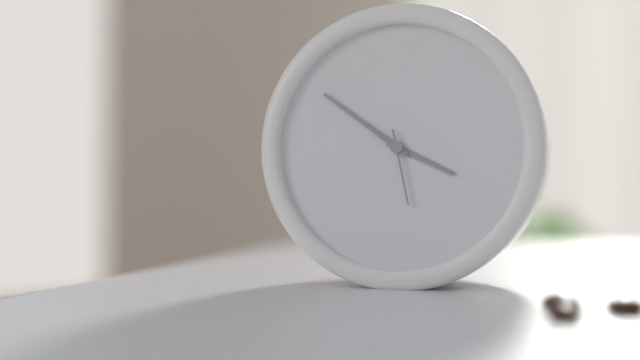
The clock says 3h51m28s
